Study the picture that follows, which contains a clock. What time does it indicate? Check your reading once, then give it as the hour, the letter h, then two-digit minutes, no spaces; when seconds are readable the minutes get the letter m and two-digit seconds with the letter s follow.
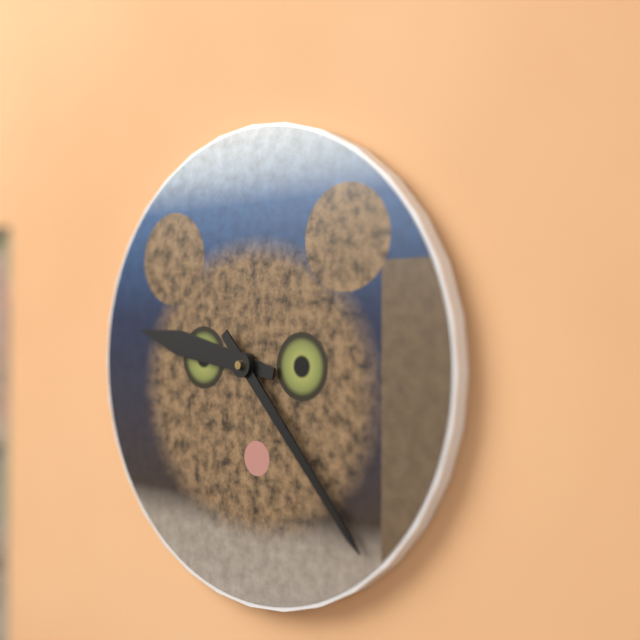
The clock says 9h23
